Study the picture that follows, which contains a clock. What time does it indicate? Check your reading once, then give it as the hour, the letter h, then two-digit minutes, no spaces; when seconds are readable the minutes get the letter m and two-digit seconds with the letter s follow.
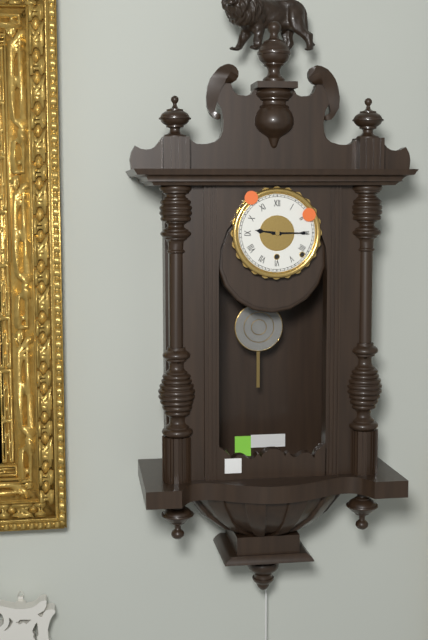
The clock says 9h15
